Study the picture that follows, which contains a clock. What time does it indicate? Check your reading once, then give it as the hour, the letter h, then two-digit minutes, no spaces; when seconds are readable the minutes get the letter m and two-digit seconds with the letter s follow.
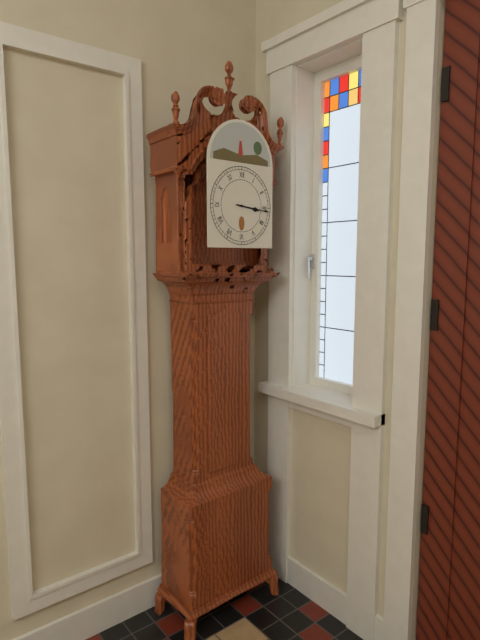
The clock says 3h16
